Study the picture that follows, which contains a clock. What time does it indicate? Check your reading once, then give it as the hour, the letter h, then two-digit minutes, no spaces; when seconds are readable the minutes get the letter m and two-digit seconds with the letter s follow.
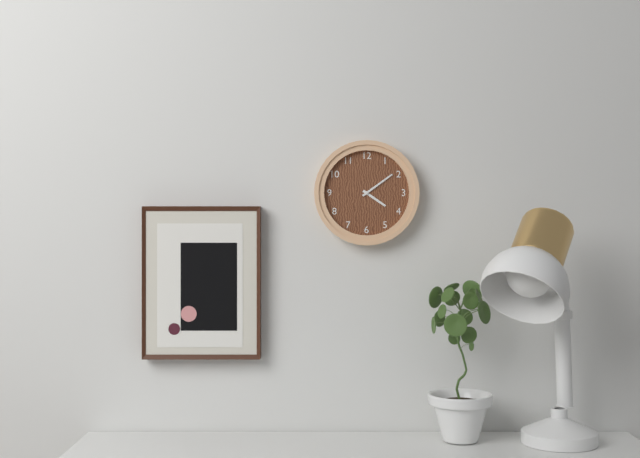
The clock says 4h09
